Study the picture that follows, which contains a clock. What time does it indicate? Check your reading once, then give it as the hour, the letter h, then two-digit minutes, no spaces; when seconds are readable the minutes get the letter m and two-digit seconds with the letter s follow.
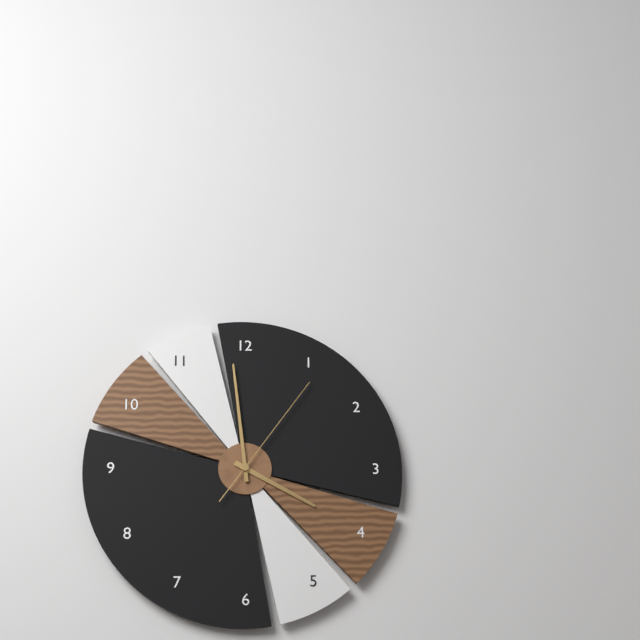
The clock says 3h59m06s
